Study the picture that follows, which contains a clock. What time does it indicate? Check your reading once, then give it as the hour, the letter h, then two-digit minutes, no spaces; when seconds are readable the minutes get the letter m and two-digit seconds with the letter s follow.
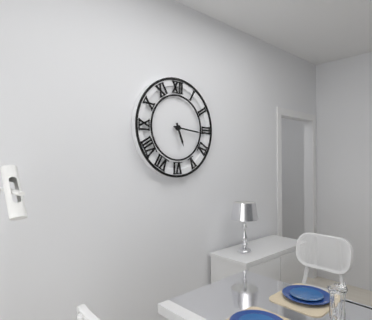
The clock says 5h16
